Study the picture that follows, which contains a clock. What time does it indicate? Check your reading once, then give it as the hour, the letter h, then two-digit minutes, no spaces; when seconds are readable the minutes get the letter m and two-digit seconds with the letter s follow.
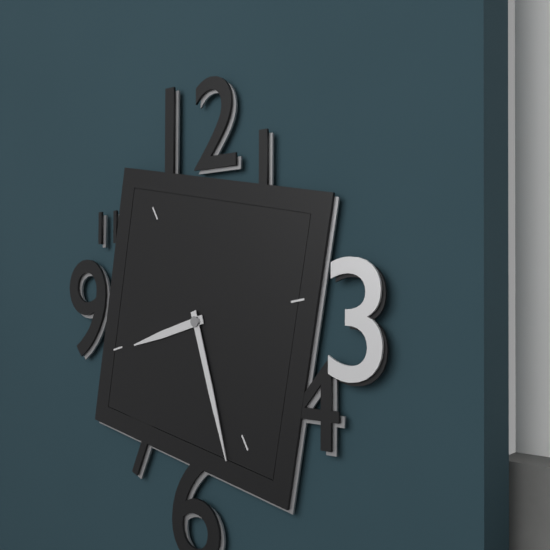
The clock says 8h27
